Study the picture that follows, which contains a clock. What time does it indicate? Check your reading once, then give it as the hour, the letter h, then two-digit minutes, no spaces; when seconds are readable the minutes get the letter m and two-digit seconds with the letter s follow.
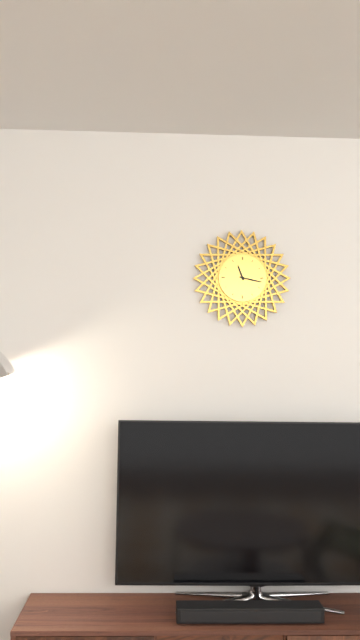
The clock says 11h17
